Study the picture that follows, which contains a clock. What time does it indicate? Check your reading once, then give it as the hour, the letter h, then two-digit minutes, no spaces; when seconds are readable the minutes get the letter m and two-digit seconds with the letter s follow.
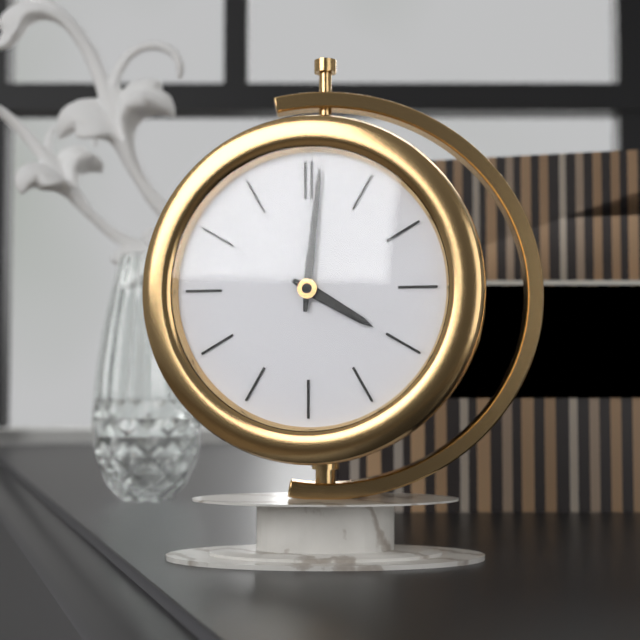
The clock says 4h01
